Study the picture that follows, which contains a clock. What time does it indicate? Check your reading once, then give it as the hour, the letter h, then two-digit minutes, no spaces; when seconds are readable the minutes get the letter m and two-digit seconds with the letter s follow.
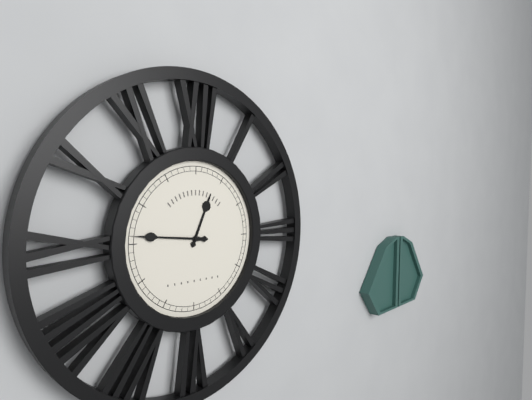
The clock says 12h46
